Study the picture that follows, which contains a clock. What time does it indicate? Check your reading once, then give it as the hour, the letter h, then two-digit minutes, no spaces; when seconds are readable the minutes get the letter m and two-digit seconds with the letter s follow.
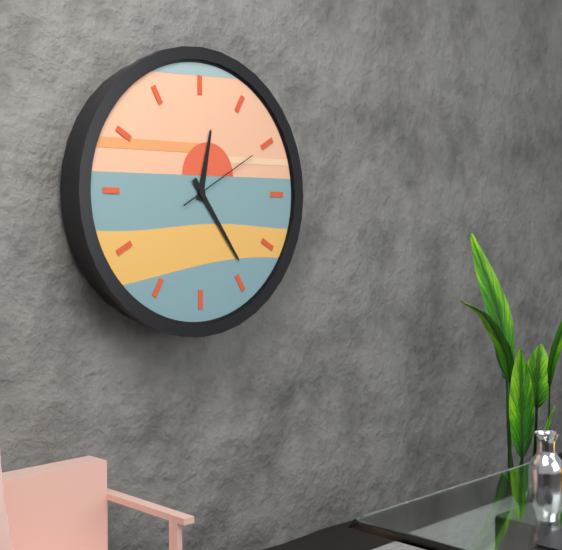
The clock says 12h24m10s
